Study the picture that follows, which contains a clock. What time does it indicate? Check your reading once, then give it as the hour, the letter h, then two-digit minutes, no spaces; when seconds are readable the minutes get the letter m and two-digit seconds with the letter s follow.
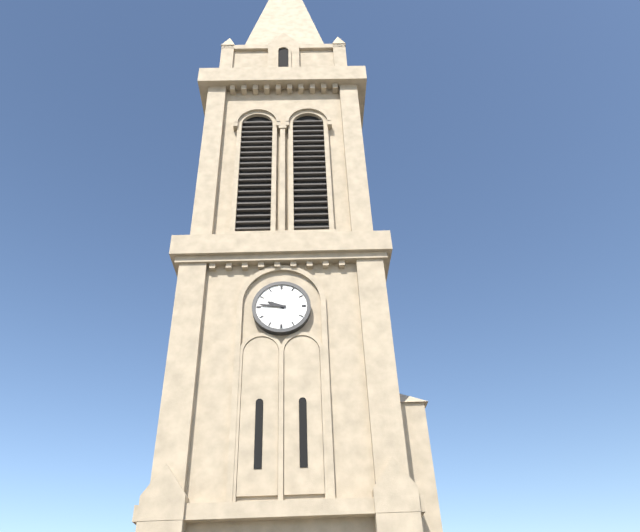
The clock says 9h46
